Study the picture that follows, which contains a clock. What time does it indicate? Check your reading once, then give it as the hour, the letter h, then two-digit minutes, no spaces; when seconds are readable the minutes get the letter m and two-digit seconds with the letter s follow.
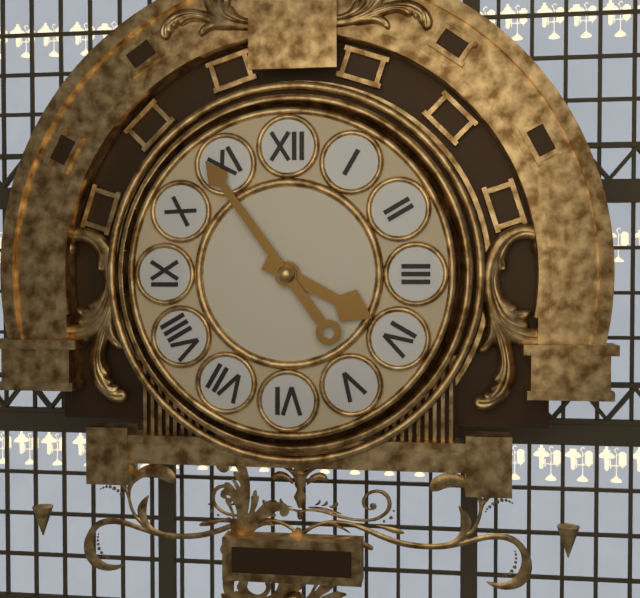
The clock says 3h54
